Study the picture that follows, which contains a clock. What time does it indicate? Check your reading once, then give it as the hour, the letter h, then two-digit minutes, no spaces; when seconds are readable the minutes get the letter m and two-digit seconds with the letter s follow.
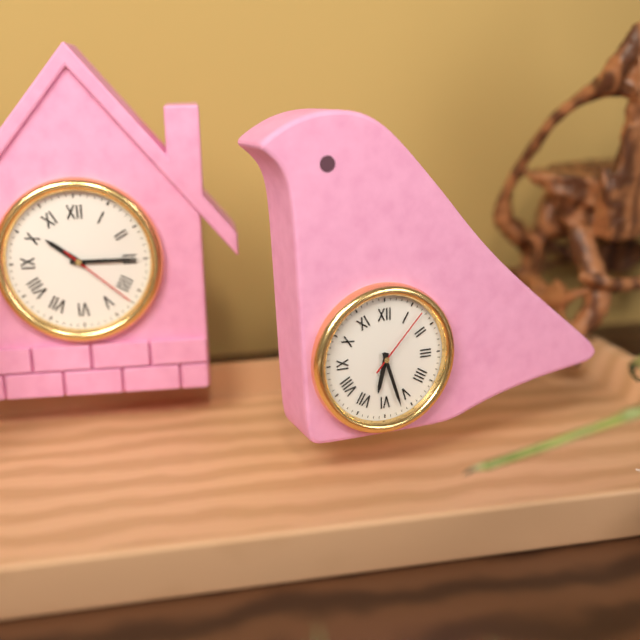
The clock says 6h27m07s
